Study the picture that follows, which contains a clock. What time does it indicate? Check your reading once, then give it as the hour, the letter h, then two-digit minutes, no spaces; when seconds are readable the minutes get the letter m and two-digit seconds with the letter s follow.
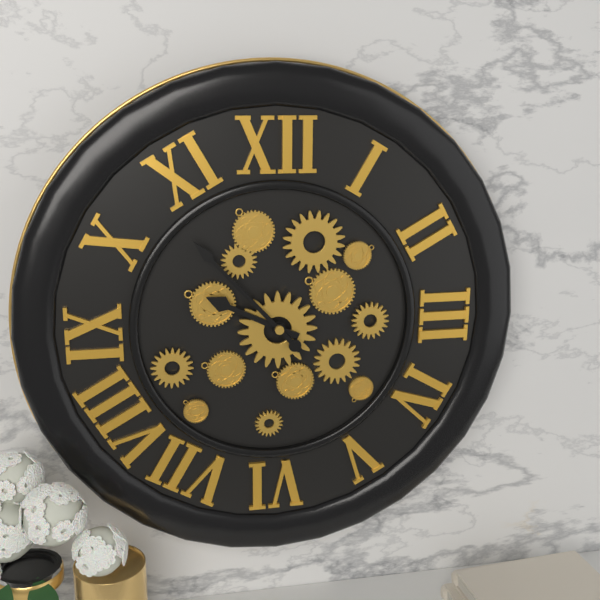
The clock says 9h53
